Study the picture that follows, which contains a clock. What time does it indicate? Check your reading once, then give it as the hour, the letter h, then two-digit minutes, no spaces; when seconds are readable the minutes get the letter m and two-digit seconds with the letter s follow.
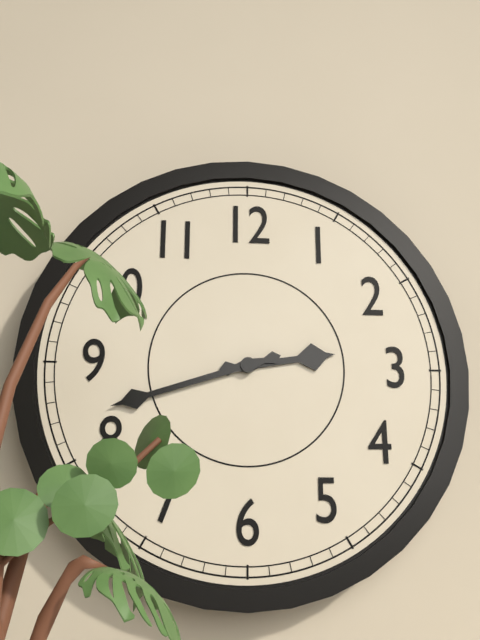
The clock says 2h42
